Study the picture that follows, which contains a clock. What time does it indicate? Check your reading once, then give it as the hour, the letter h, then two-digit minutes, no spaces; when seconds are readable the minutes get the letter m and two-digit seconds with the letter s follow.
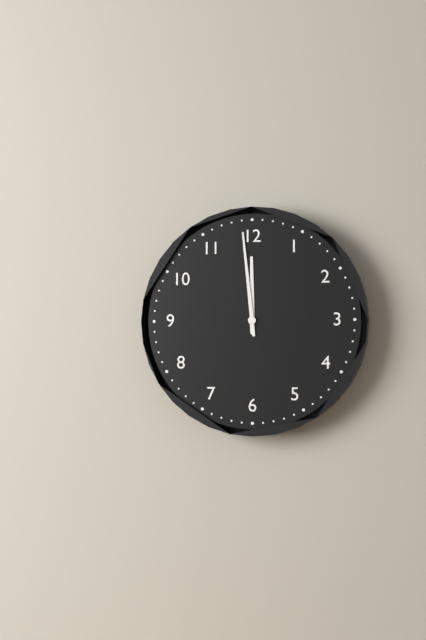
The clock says 11h59
